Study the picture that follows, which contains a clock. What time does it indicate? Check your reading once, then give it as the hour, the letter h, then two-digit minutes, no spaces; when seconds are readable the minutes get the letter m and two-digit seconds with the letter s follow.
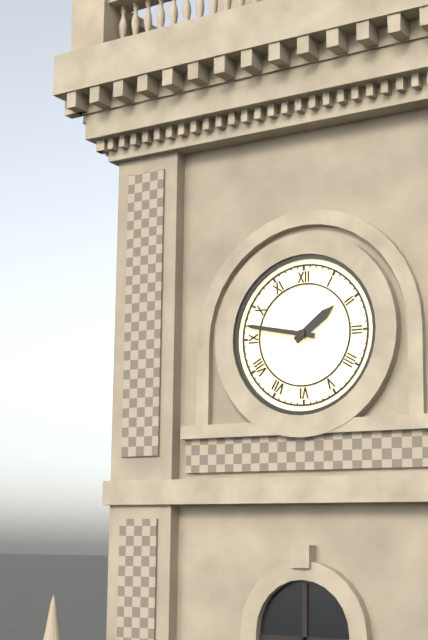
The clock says 1h47
